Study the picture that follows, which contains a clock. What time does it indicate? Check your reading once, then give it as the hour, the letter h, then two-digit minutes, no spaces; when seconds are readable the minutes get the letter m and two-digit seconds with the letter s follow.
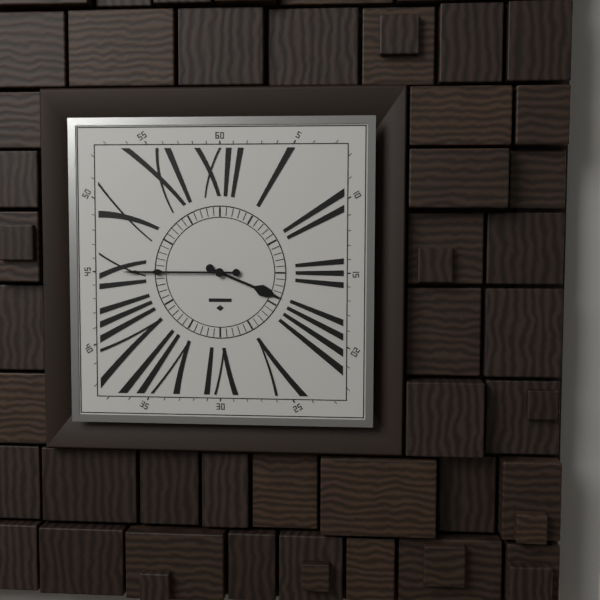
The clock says 3h45
